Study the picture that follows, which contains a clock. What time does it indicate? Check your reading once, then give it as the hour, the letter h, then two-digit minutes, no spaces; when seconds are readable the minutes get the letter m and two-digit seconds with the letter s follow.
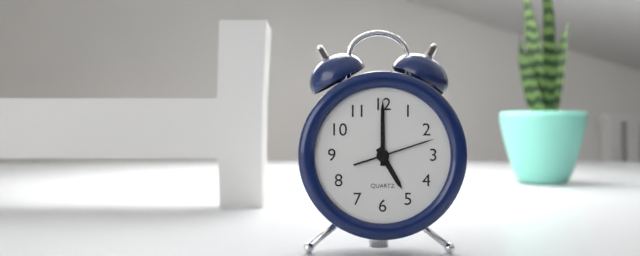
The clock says 5h00m12s
